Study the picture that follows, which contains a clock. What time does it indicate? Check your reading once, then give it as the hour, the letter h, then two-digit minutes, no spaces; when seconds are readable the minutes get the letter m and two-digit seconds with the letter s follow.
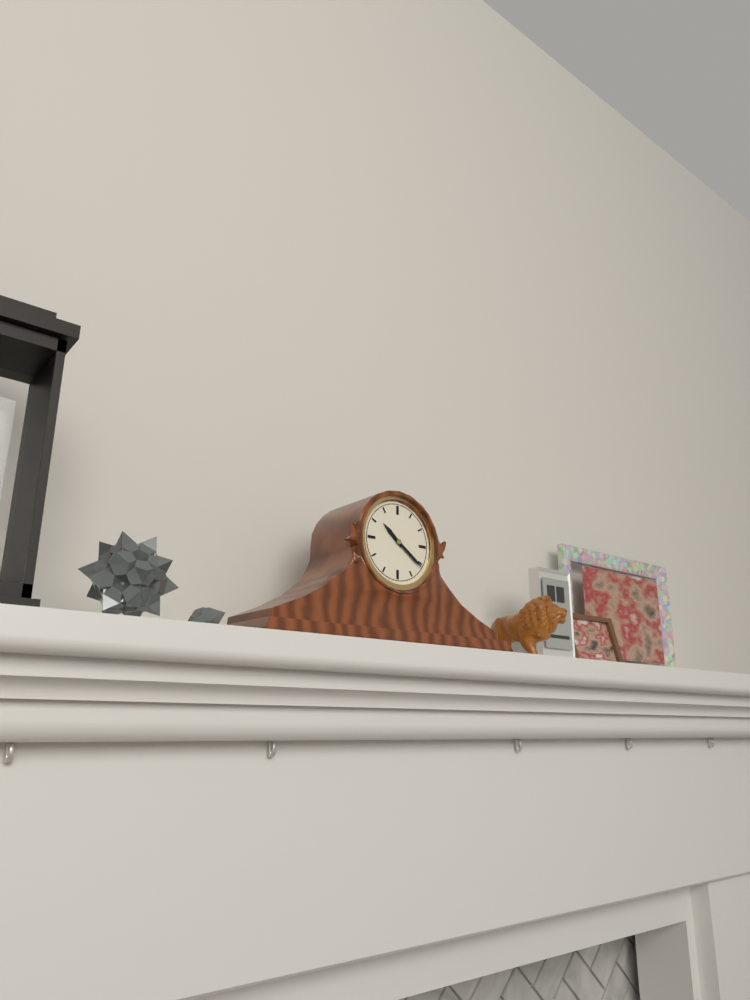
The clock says 10h21
